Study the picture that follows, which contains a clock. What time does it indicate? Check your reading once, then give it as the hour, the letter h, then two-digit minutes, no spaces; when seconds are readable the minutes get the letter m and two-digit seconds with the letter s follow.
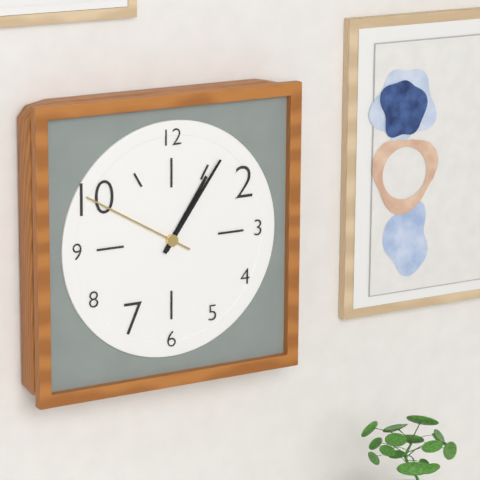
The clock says 1h06m50s
